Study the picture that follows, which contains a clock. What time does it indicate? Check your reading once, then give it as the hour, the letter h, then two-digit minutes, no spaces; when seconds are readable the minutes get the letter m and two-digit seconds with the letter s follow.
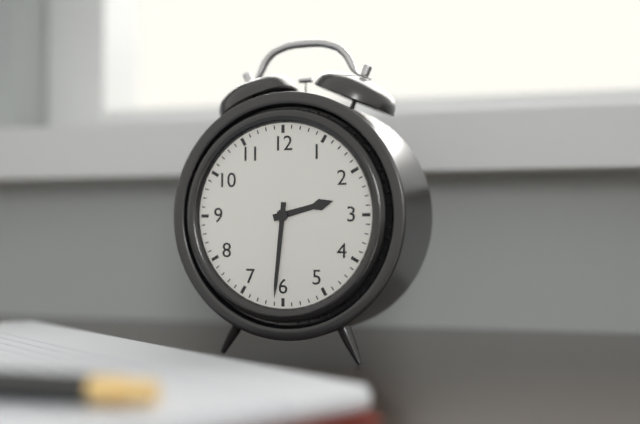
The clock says 2h31
